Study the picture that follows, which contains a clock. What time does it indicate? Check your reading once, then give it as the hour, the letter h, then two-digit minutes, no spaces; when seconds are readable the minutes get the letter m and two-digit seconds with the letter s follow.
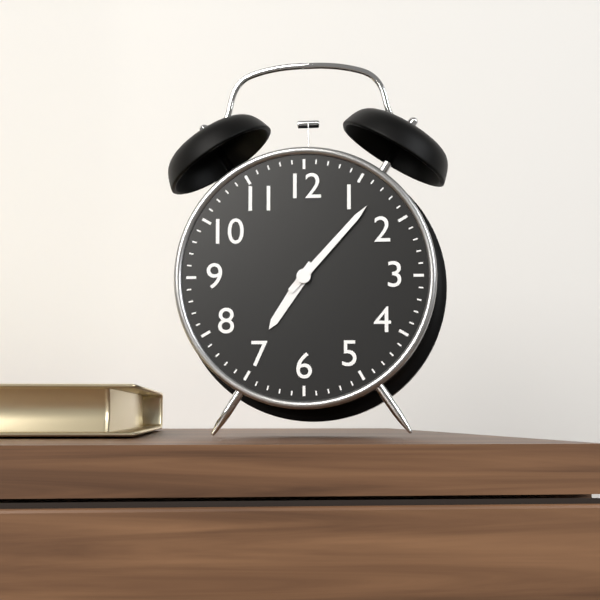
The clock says 7h07
